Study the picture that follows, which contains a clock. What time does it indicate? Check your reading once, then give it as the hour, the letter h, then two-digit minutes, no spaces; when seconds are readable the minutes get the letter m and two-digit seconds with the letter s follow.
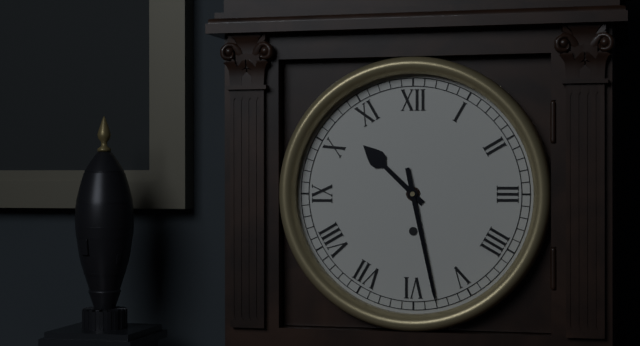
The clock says 10h28
